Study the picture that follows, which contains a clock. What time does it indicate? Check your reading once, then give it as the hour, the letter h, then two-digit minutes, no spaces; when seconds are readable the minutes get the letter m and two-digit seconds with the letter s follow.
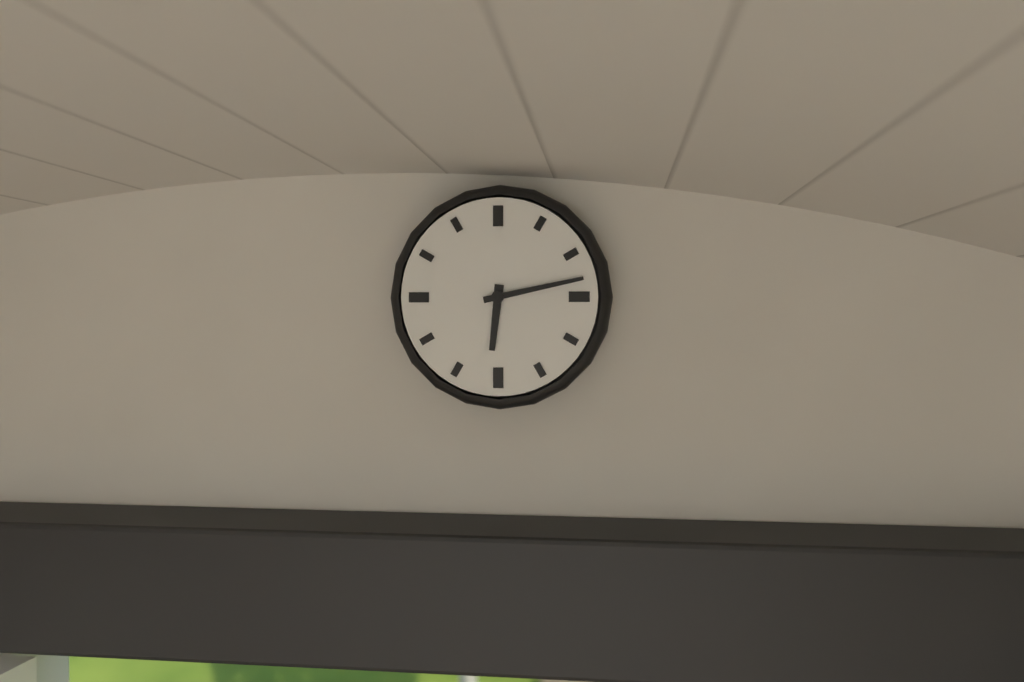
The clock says 6h13
